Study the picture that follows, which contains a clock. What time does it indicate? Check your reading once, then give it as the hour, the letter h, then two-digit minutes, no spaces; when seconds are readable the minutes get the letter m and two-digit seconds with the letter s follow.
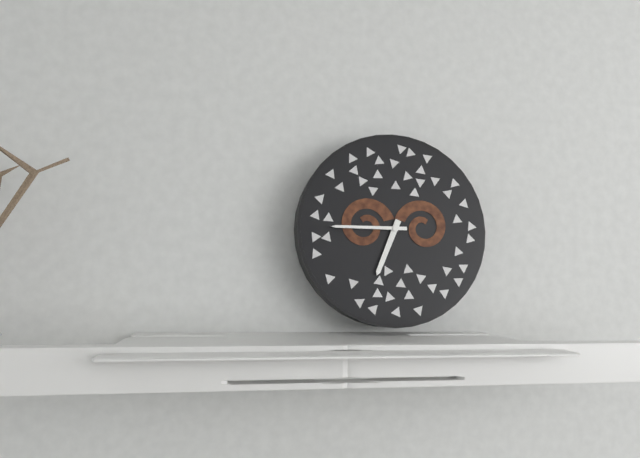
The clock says 6h45
